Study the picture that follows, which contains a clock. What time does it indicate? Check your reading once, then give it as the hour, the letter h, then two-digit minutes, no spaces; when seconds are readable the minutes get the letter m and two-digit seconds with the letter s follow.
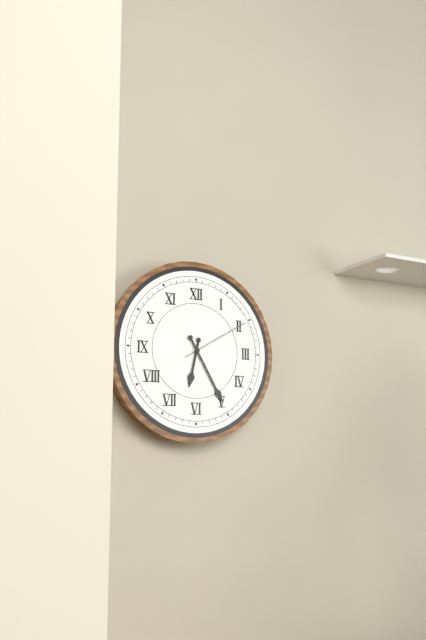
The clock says 6h25m10s
